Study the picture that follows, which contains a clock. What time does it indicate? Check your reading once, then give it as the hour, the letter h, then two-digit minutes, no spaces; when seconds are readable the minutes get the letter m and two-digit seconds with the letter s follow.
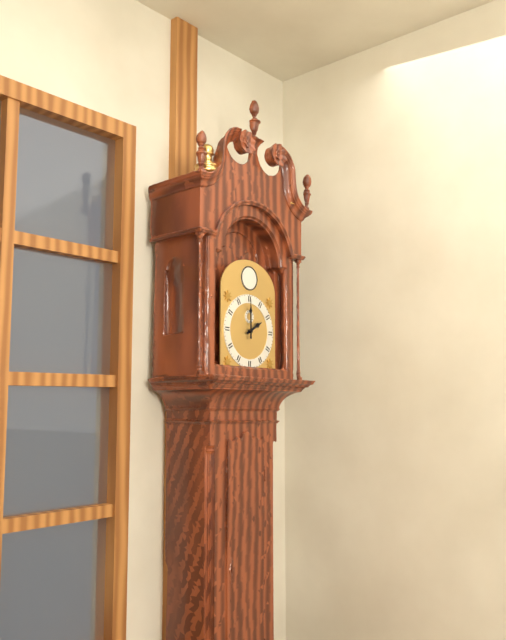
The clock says 2h00
